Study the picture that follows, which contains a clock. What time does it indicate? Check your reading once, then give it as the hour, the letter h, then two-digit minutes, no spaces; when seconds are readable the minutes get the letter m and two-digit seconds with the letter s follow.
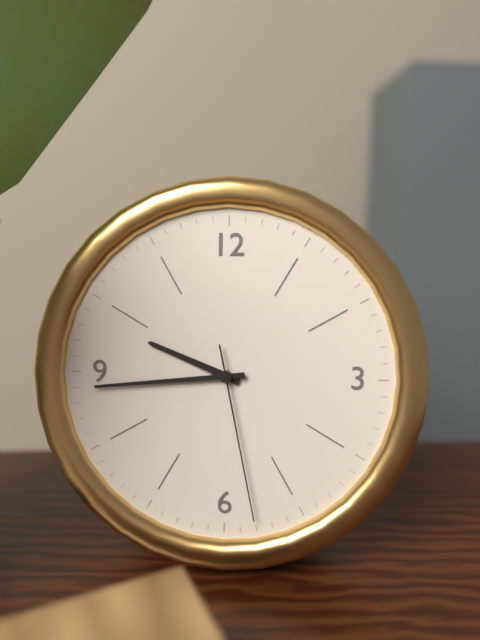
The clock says 9h44m28s
